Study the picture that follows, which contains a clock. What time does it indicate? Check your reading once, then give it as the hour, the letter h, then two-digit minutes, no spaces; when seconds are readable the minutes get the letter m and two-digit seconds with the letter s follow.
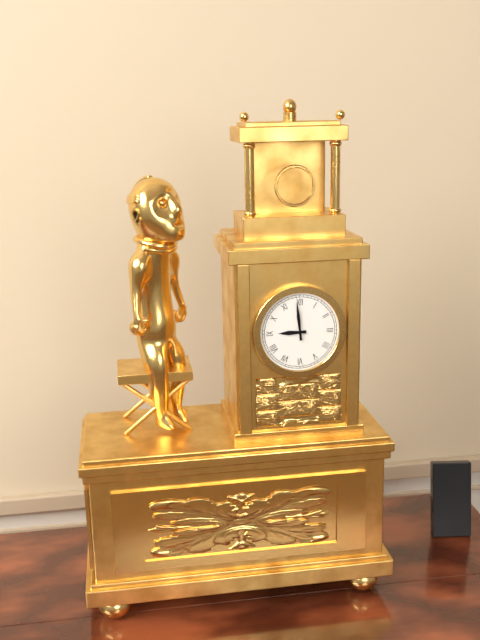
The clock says 8h59
